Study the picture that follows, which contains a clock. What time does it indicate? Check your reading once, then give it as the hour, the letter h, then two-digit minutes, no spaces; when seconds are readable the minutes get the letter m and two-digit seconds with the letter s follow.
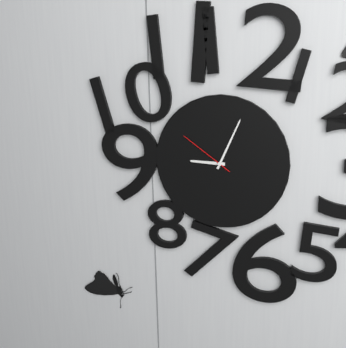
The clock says 9h04m51s
